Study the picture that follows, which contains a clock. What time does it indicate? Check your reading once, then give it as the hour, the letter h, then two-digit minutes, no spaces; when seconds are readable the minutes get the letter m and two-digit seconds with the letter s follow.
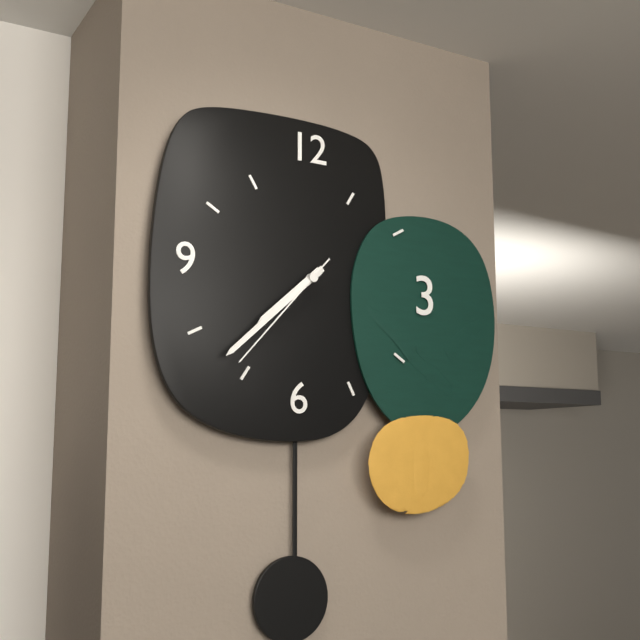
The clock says 7h38m37s
